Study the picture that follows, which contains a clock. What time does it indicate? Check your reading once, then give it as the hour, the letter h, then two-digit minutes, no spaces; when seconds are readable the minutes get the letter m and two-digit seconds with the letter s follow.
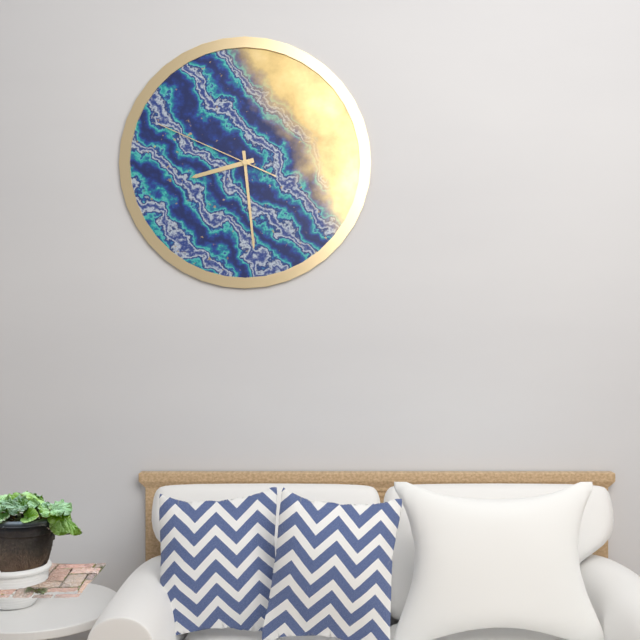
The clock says 8h29m49s
